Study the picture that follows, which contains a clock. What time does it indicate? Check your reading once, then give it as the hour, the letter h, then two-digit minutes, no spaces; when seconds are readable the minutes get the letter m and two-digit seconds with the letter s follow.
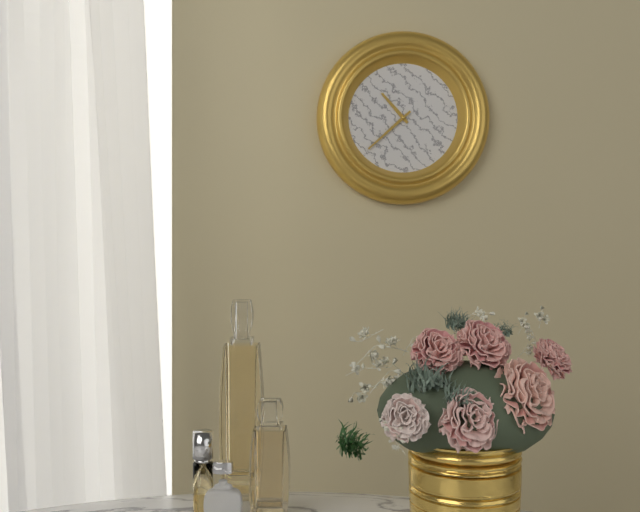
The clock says 10h38
